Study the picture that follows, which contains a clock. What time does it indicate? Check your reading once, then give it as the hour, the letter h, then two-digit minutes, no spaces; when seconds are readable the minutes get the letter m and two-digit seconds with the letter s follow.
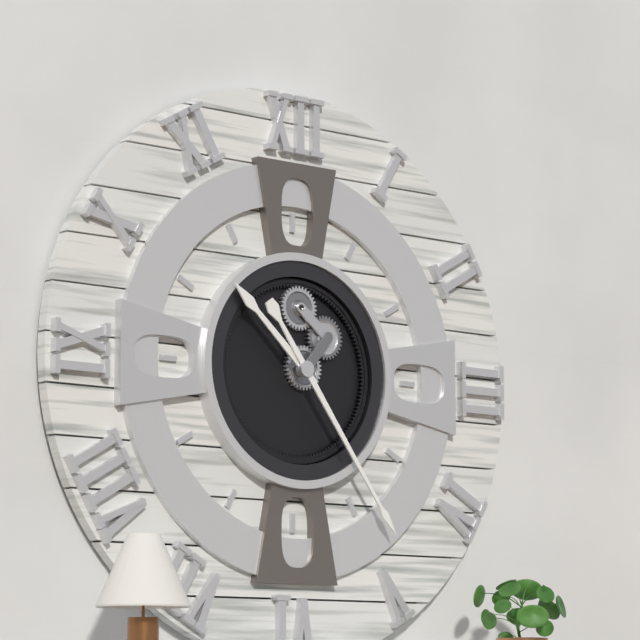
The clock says 10h24
